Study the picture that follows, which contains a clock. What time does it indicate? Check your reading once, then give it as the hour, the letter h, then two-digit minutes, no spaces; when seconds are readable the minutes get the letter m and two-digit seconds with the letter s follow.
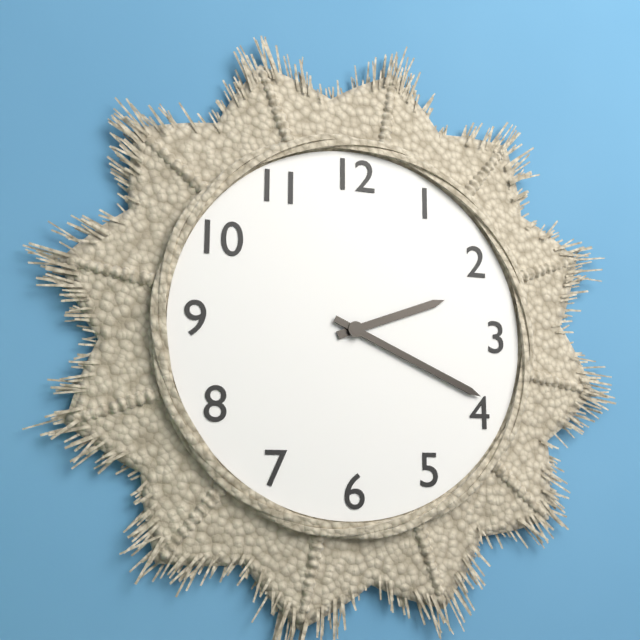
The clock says 2h19
